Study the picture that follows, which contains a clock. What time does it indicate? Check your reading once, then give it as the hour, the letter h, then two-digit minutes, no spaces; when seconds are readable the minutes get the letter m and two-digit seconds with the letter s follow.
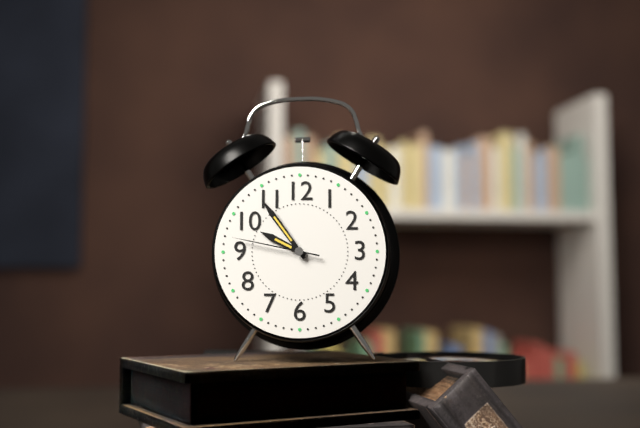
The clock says 9h54m47s
